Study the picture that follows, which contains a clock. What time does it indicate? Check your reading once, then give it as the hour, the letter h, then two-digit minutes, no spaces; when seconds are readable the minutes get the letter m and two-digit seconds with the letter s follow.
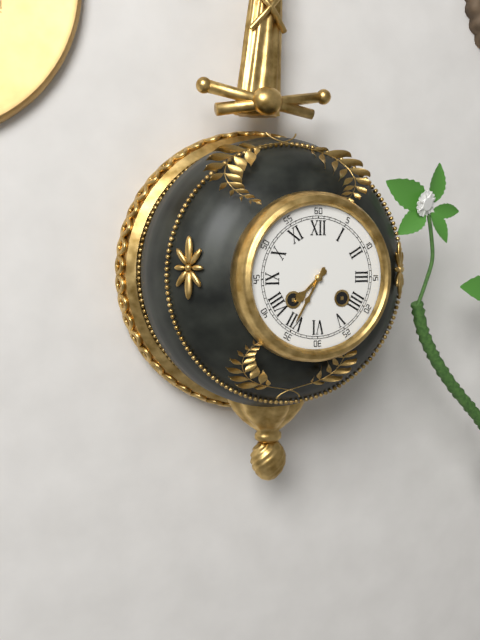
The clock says 7h35
